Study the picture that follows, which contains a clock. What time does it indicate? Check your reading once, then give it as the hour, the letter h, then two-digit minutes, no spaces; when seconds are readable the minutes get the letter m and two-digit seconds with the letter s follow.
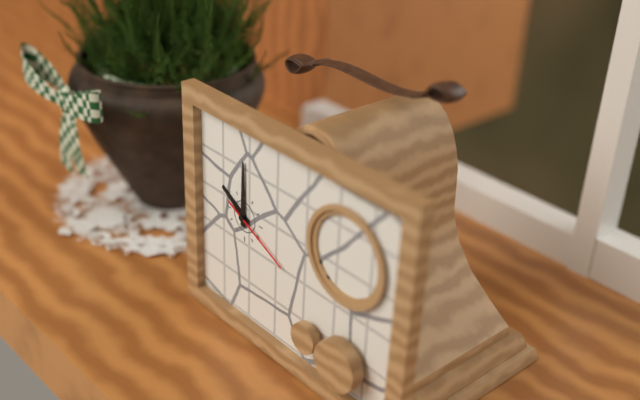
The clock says 10h00m19s
